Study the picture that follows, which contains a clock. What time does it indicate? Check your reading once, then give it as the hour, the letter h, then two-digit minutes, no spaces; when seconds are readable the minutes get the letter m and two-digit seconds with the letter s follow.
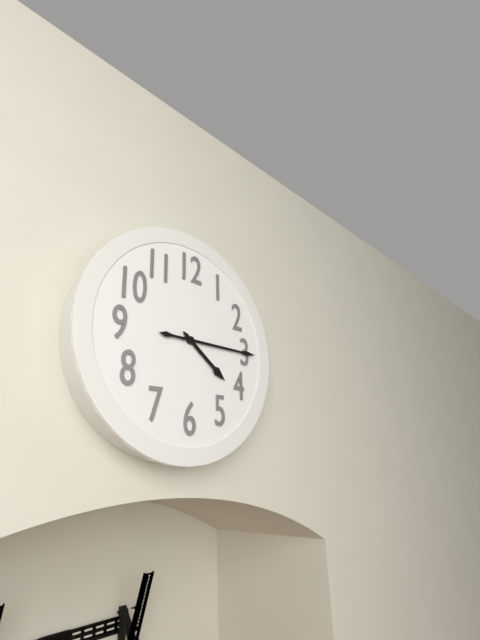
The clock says 4h15
